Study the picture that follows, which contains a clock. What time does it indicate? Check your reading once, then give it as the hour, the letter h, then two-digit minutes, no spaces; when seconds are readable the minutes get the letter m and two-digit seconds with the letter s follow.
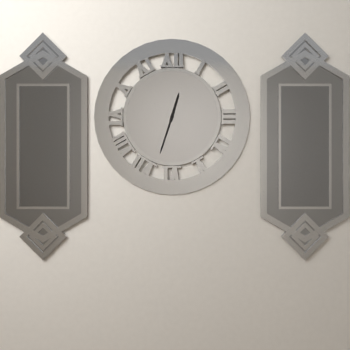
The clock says 12h33
